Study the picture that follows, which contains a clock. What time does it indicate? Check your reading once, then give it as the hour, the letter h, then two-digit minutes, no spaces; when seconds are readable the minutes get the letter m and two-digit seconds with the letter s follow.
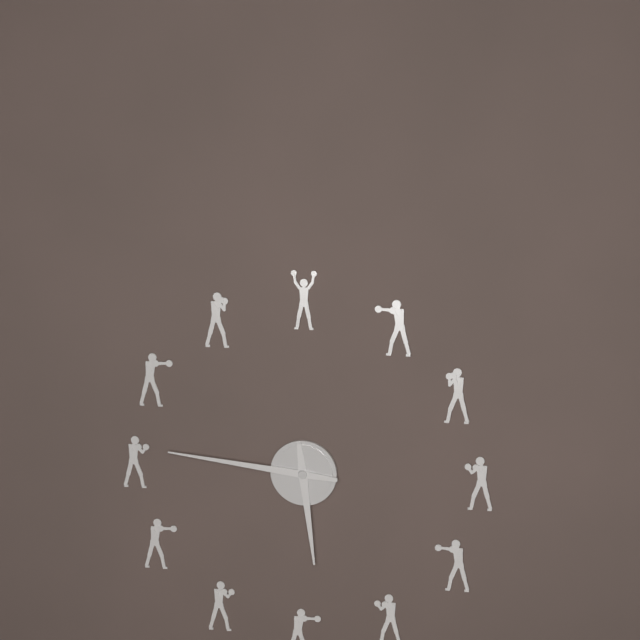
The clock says 5h46
